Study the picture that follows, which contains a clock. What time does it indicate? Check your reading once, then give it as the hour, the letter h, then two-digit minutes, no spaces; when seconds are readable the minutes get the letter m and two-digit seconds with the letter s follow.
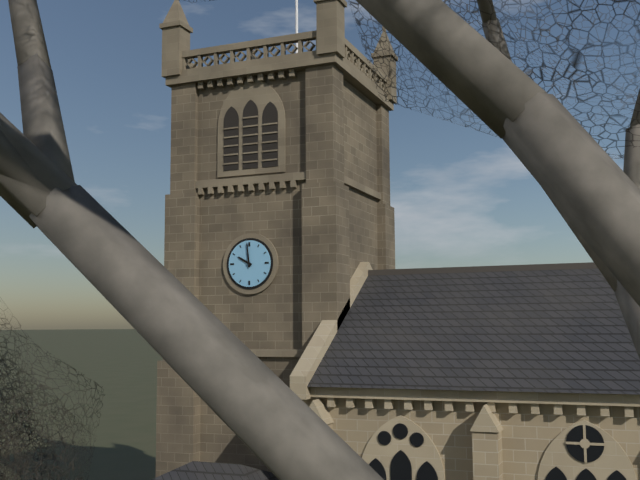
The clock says 9h59
